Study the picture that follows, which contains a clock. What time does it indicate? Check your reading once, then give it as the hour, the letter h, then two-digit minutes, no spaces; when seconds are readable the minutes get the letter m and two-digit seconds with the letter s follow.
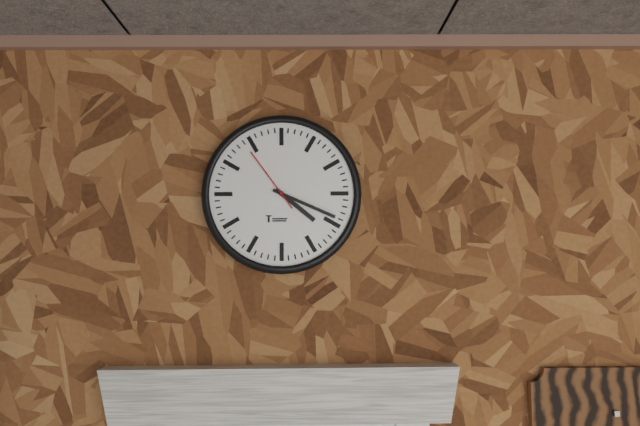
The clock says 4h19m54s
